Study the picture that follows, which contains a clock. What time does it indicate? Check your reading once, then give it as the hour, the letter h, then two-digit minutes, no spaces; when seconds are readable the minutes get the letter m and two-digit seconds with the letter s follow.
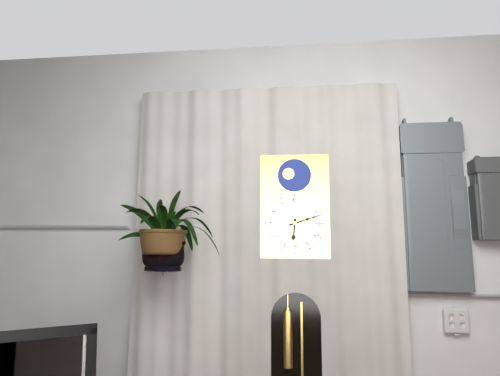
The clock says 6h12
